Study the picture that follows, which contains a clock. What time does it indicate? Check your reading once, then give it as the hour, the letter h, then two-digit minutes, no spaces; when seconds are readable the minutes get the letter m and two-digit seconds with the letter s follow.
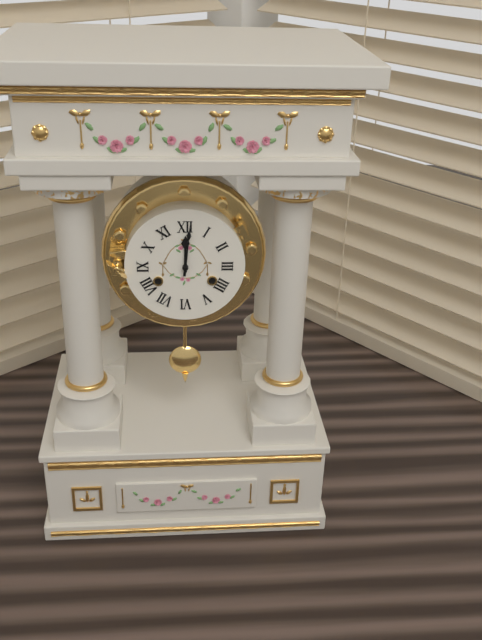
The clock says 12h01
